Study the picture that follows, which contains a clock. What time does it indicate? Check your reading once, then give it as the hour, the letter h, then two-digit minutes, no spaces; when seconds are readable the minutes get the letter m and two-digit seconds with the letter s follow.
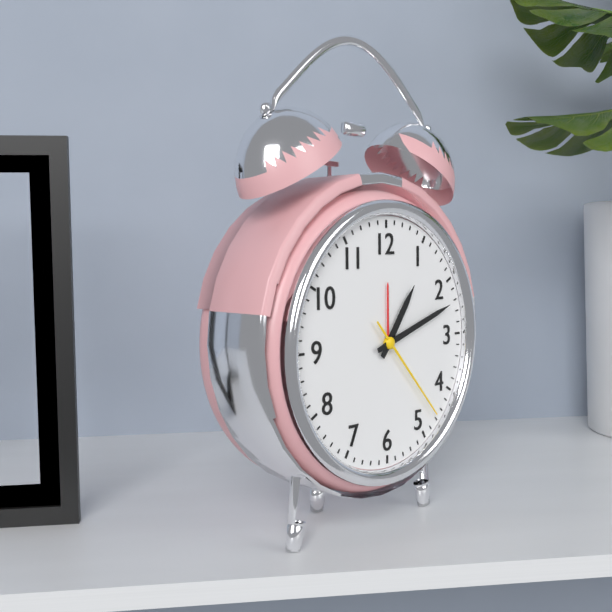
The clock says 1h12m23s
